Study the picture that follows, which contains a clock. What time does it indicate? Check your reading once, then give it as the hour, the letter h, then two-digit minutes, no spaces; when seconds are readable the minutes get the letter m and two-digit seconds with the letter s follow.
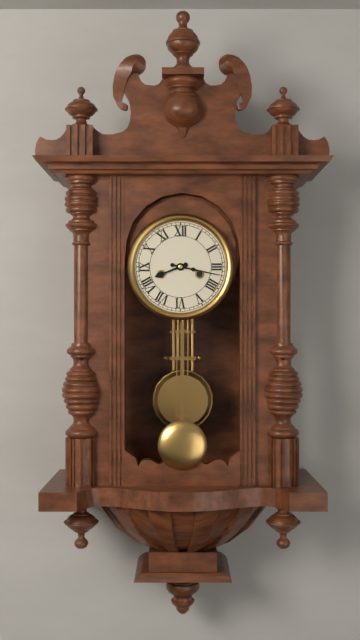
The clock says 8h17
